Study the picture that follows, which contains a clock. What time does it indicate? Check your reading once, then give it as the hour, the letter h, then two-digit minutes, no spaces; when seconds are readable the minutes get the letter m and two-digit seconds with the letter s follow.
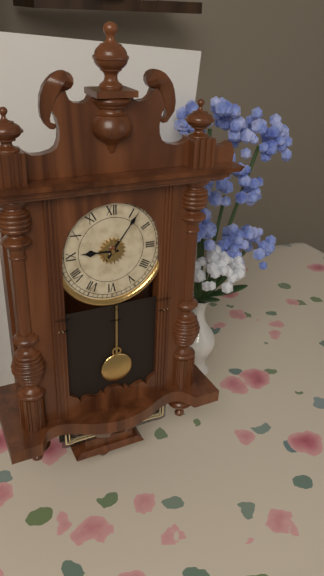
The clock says 9h06
